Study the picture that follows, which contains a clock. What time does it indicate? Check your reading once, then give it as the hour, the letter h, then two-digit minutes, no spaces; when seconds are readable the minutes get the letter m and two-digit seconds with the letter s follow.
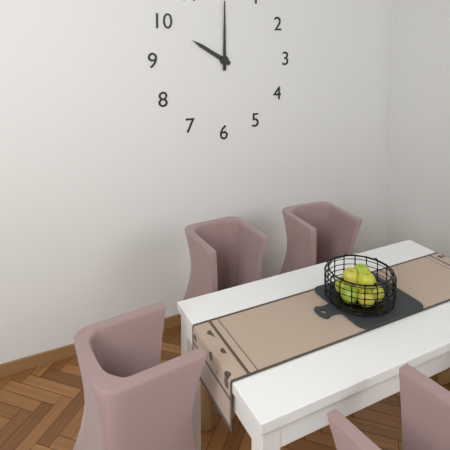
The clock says 10h00
